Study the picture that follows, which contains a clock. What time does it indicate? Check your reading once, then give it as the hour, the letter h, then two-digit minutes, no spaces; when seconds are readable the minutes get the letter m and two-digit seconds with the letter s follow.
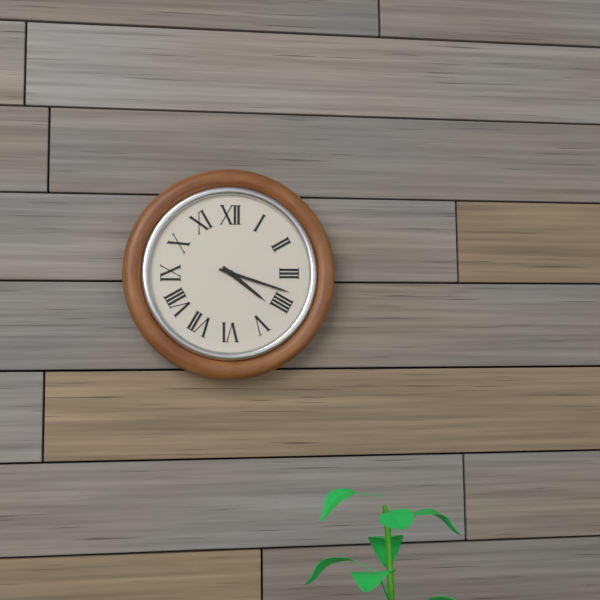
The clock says 4h18
